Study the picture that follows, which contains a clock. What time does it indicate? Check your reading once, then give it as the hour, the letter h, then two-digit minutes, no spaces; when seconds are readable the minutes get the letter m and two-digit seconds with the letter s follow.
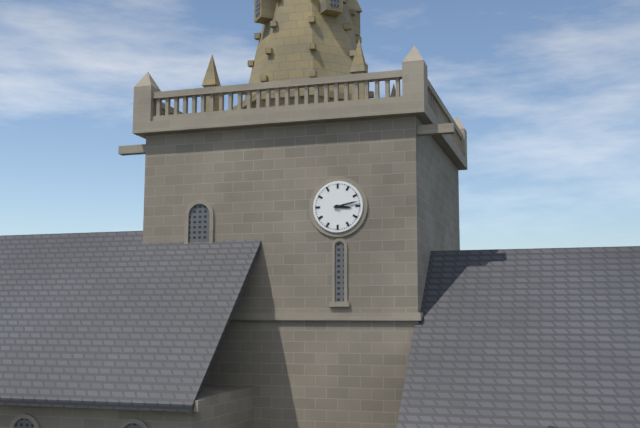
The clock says 3h13
